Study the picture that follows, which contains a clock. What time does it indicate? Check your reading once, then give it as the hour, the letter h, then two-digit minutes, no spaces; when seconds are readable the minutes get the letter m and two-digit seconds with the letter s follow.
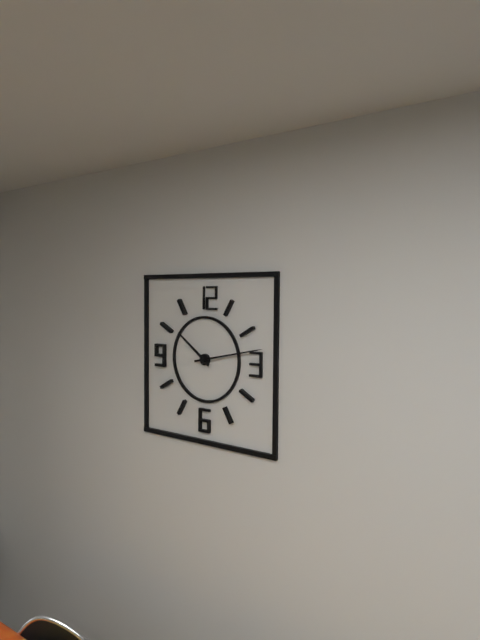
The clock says 10h13
